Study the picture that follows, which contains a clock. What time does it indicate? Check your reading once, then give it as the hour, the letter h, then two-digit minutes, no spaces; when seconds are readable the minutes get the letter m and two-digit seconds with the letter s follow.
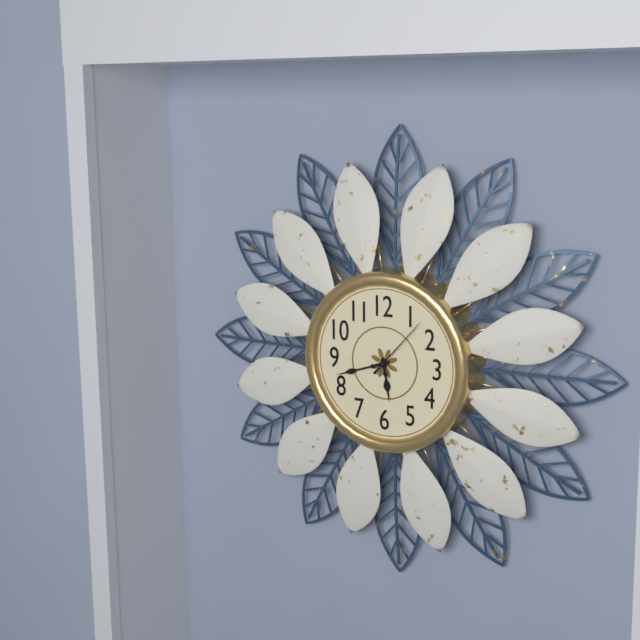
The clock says 5h42m07s
